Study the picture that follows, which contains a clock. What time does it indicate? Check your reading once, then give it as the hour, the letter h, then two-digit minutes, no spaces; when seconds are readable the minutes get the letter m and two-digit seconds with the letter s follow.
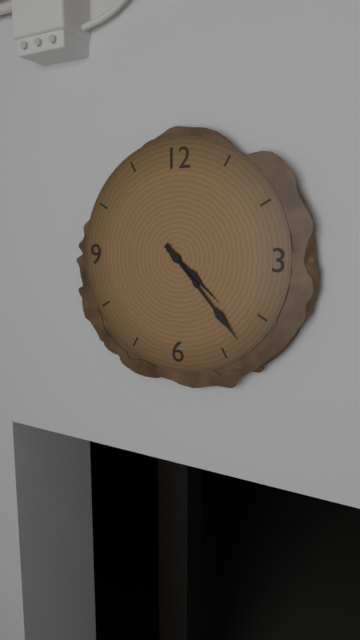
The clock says 4h23
